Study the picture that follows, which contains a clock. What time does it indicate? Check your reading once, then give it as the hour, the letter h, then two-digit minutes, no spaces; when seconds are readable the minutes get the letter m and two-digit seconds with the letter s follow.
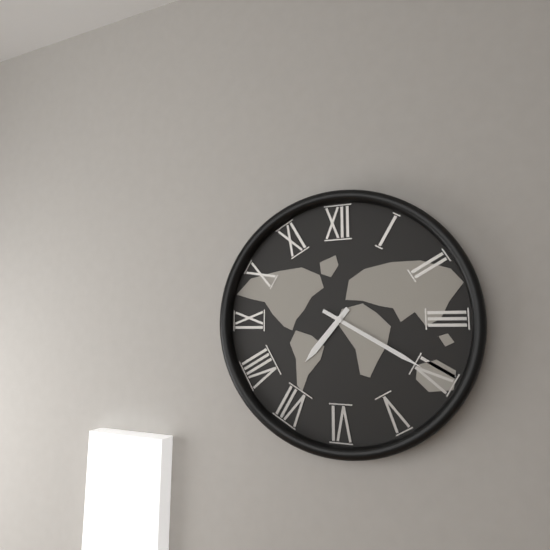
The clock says 7h20
